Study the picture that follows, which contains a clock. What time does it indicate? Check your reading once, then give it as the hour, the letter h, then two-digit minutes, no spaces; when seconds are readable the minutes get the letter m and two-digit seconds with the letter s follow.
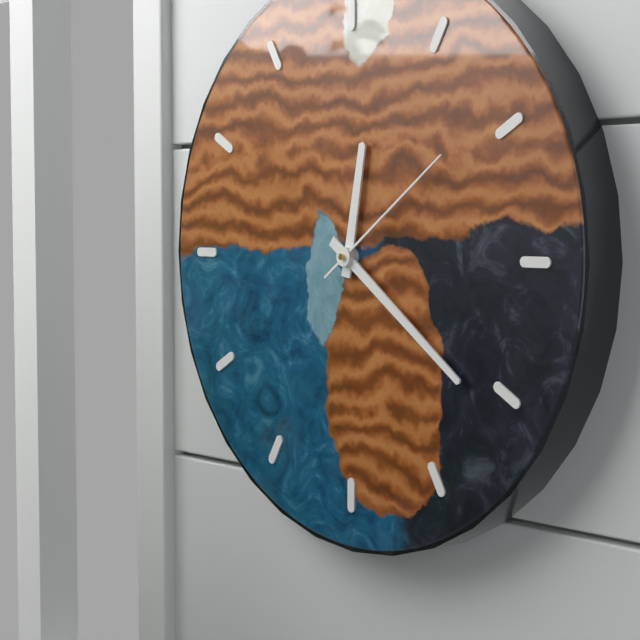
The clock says 12h21m09s
